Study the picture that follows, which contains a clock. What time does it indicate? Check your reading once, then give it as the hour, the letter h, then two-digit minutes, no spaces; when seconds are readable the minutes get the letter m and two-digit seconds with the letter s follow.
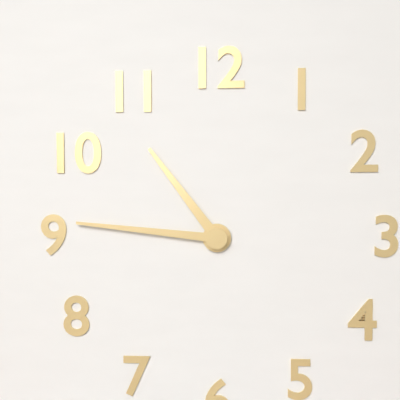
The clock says 10h46
